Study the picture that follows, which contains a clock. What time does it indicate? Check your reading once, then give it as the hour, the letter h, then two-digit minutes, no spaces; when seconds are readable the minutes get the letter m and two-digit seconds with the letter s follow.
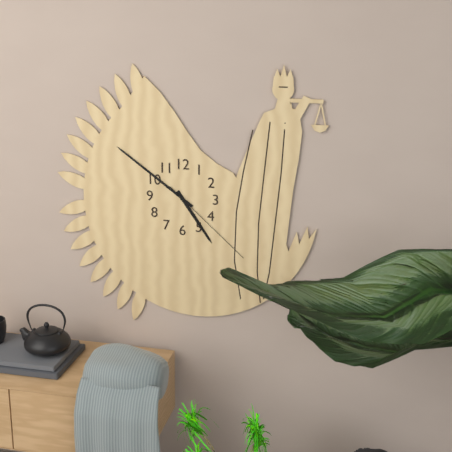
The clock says 4h51m22s
